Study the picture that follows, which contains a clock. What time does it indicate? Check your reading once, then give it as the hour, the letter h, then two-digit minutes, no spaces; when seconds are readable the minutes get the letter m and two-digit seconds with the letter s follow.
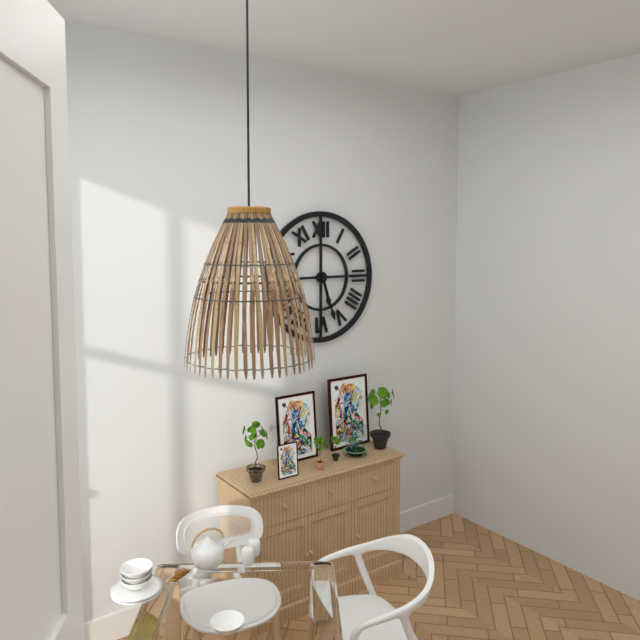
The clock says 5h27
